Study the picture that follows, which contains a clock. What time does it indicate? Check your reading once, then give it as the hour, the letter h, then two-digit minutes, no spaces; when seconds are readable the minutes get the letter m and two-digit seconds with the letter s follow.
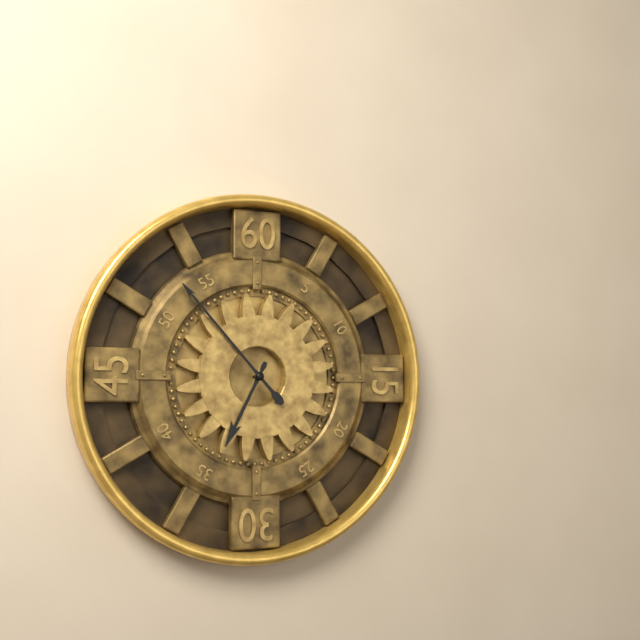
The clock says 6h53
